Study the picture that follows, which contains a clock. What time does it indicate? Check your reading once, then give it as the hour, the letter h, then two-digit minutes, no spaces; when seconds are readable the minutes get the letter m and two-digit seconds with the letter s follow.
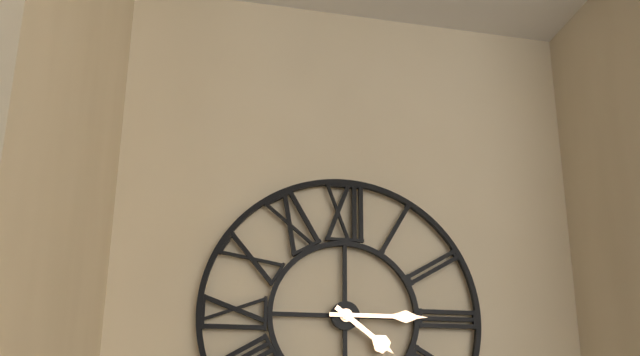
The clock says 4h15
